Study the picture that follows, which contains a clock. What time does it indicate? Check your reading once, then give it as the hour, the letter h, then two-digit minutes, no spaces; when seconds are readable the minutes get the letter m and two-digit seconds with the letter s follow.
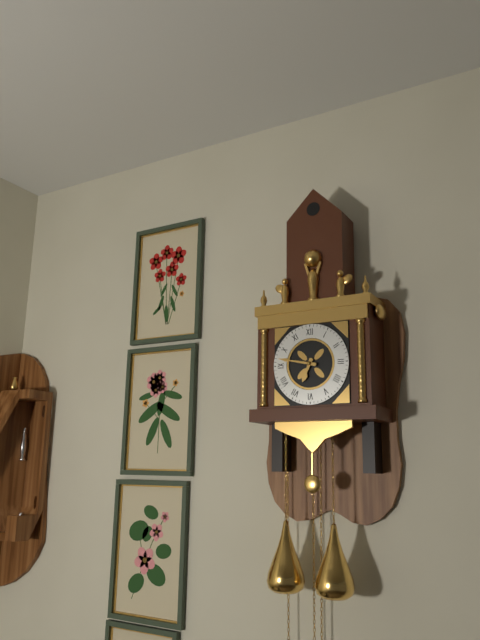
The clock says 6h47
